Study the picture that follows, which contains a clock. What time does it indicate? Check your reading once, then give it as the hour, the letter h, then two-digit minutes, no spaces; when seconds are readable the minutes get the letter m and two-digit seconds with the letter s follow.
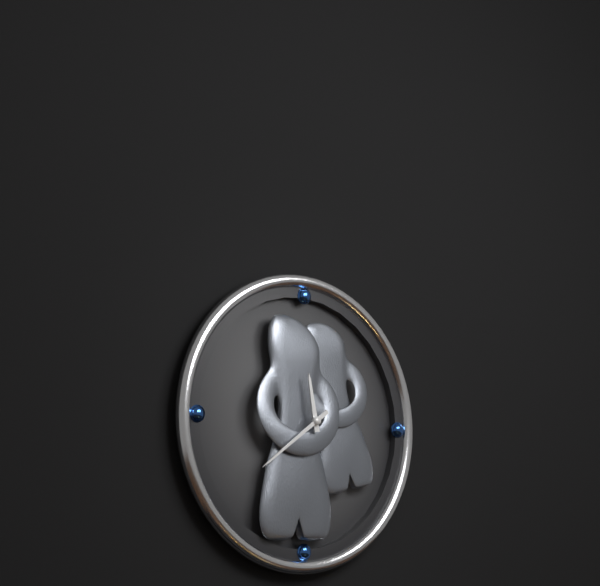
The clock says 11h39
